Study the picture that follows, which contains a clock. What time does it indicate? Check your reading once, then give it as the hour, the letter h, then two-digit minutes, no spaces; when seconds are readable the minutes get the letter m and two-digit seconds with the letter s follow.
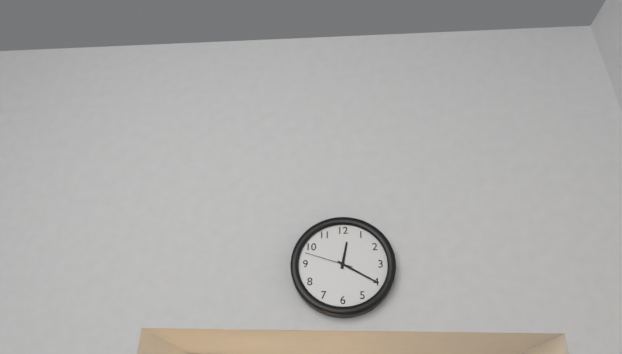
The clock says 12h20
